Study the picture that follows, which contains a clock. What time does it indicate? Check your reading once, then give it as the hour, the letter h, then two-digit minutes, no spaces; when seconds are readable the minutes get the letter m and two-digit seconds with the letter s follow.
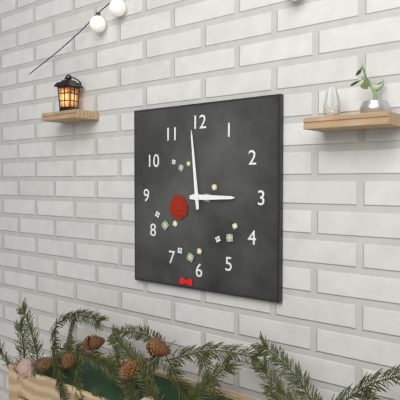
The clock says 2h59
